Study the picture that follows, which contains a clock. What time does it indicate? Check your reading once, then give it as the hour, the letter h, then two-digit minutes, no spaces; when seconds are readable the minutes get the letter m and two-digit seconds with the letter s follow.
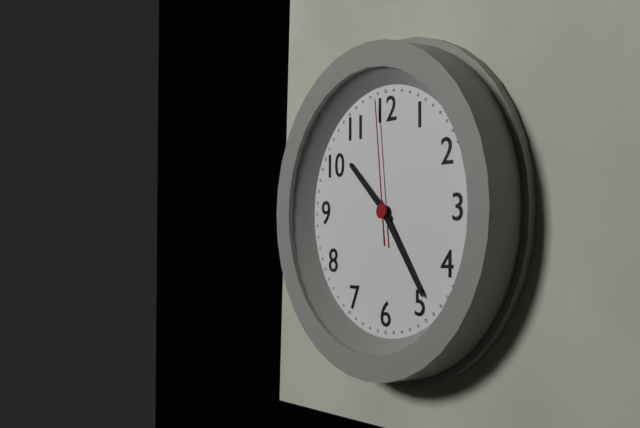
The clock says 10h24m59s
